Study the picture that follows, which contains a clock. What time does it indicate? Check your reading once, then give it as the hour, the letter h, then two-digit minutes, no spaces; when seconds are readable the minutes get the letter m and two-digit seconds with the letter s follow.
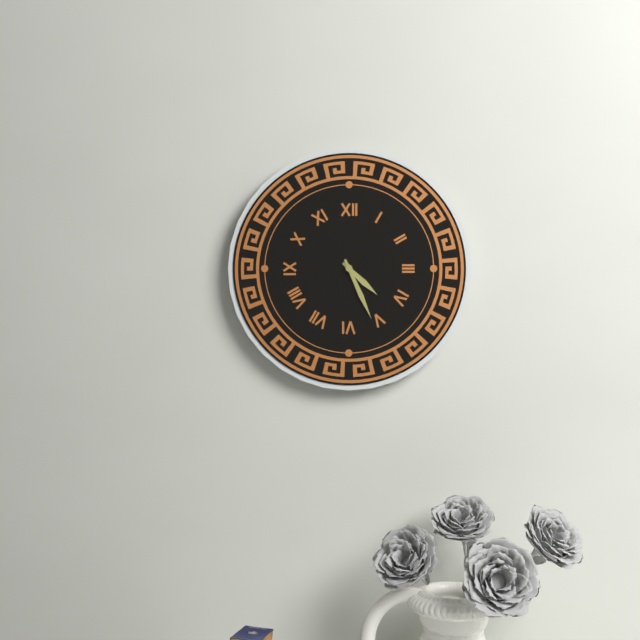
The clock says 4h26
